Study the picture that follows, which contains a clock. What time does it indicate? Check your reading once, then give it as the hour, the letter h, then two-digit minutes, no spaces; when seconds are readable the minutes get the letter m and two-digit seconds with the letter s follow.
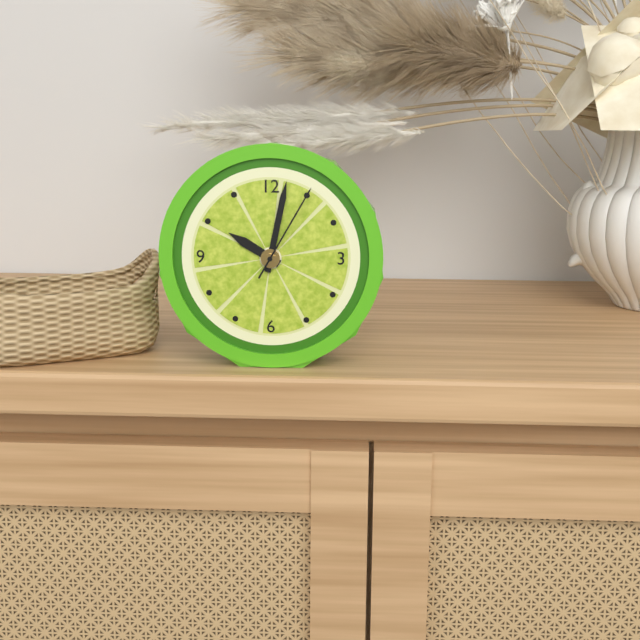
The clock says 10h02m05s
